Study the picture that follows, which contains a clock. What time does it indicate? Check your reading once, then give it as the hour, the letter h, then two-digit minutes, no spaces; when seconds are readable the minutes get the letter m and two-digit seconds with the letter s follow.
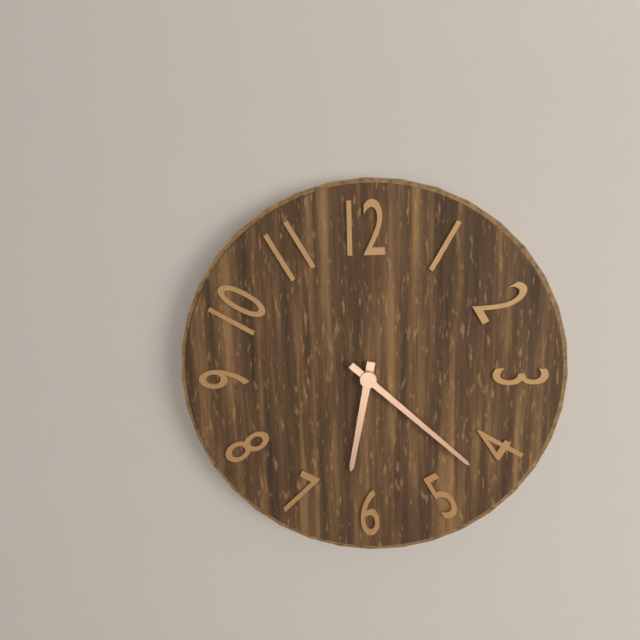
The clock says 6h22
